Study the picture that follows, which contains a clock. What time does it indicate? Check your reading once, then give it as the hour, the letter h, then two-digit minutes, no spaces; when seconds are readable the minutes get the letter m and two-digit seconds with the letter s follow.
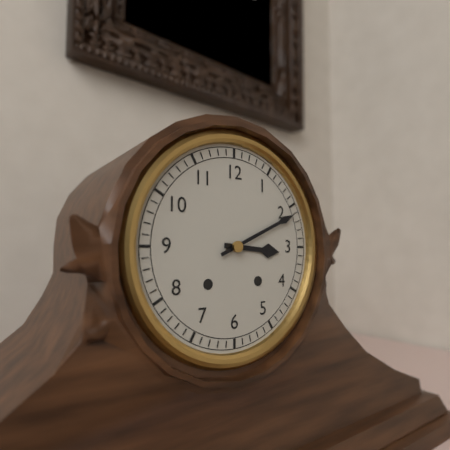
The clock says 3h11
